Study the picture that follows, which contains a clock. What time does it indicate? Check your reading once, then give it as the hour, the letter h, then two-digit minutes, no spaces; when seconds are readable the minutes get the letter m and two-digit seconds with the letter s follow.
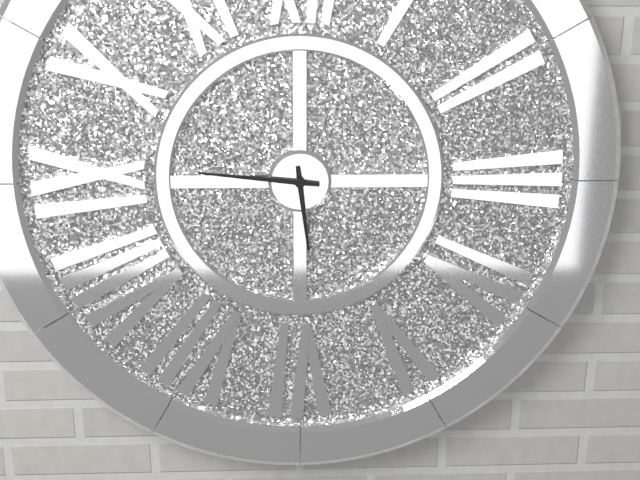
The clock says 5h46
